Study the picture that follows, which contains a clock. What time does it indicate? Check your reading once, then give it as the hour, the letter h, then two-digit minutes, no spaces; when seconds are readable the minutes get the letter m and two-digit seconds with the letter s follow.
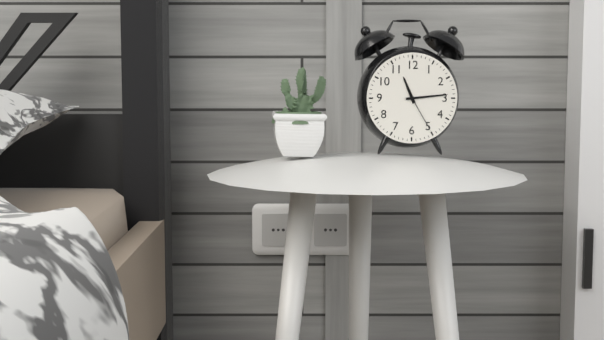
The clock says 11h14
